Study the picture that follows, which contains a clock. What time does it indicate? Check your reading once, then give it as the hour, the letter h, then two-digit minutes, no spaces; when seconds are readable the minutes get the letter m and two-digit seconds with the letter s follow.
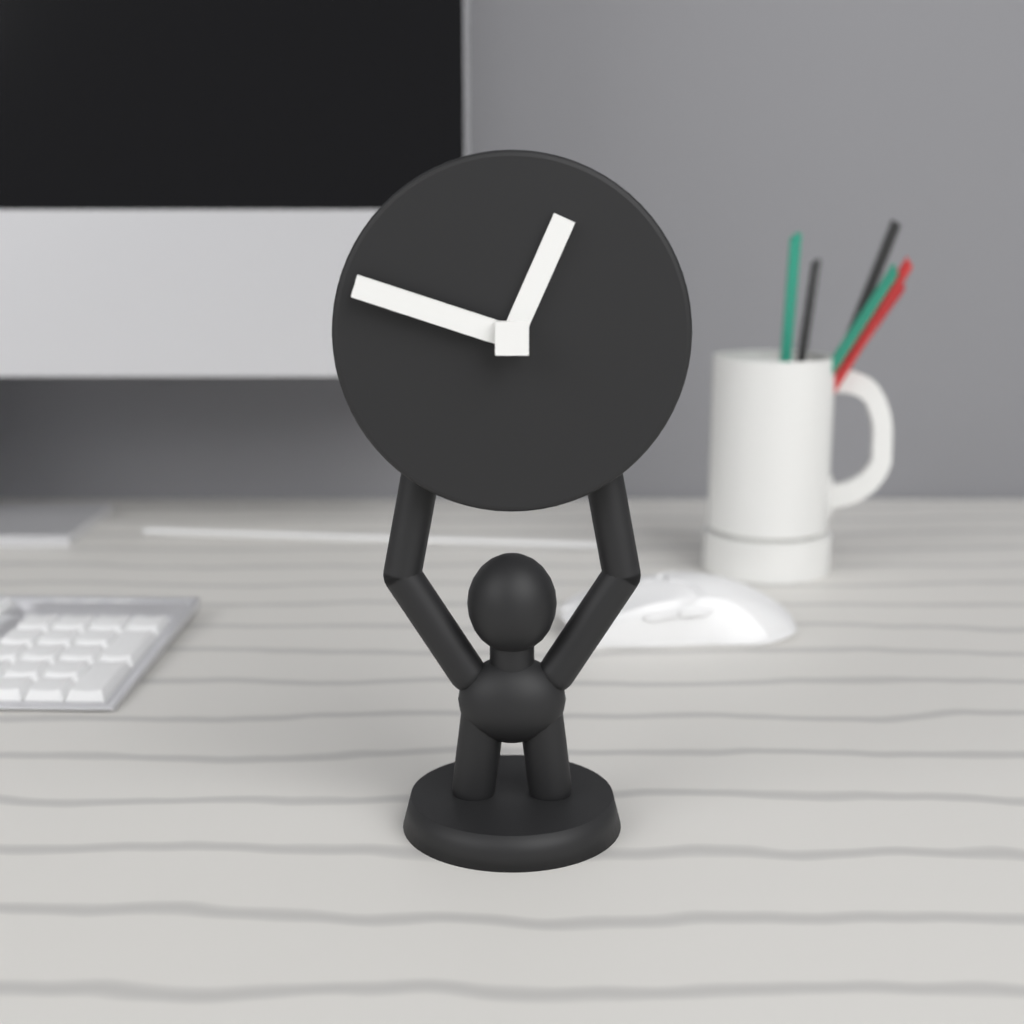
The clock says 12h48
